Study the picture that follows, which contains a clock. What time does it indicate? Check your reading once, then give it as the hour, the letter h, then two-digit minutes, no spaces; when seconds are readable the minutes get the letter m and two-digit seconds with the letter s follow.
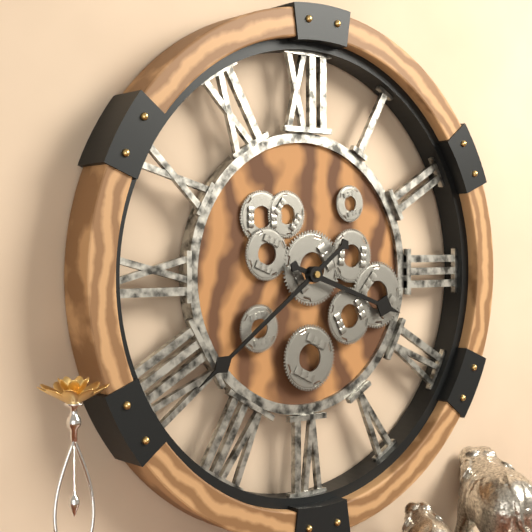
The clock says 3h39
